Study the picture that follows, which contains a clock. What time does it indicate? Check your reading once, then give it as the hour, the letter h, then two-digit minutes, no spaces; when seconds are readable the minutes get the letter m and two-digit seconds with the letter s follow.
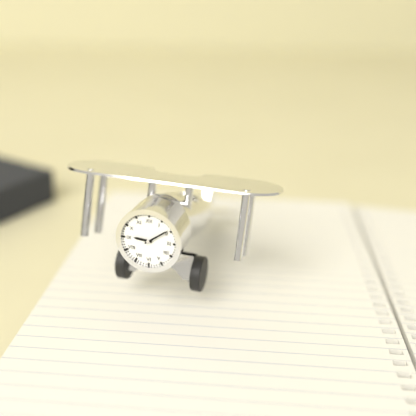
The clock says 9h09
